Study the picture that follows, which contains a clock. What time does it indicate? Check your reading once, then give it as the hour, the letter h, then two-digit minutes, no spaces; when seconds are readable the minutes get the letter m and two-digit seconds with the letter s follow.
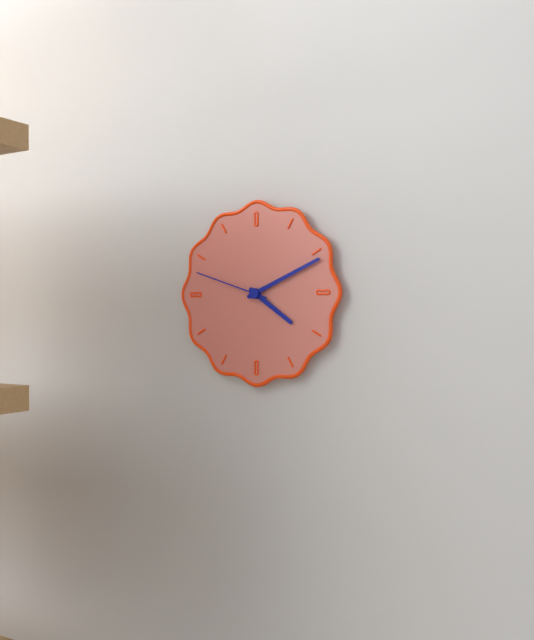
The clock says 4h11m48s
